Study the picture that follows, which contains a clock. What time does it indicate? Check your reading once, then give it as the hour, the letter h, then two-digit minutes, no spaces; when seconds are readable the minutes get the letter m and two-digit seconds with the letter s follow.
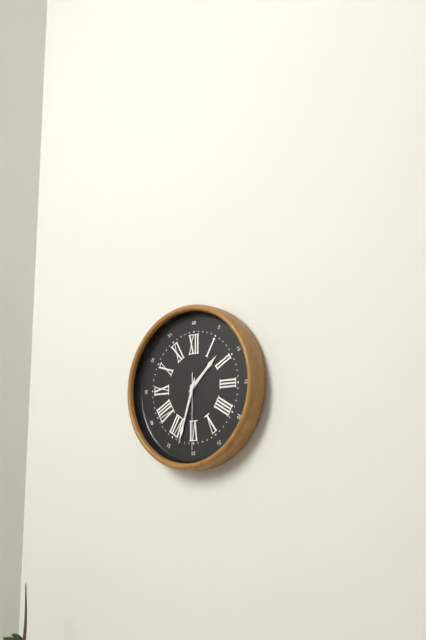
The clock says 1h33m30s
